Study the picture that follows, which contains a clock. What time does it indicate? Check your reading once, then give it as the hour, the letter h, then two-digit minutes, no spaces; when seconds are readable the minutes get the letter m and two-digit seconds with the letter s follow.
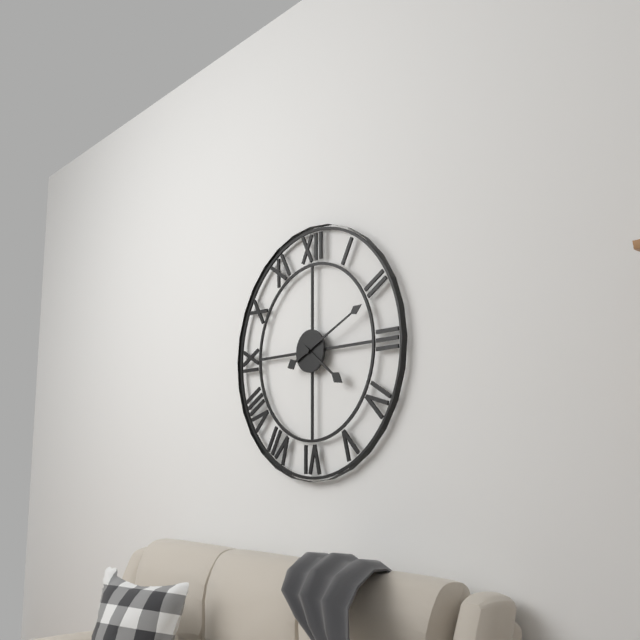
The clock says 4h11
